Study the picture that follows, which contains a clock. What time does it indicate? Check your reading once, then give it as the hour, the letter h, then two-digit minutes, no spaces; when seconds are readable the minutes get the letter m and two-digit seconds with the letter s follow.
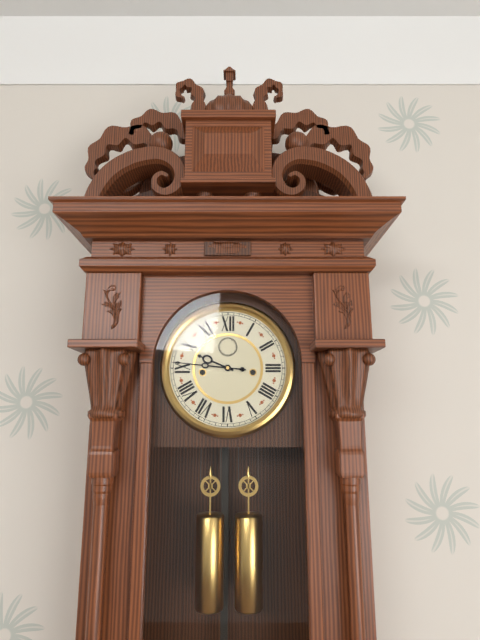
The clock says 9h46
